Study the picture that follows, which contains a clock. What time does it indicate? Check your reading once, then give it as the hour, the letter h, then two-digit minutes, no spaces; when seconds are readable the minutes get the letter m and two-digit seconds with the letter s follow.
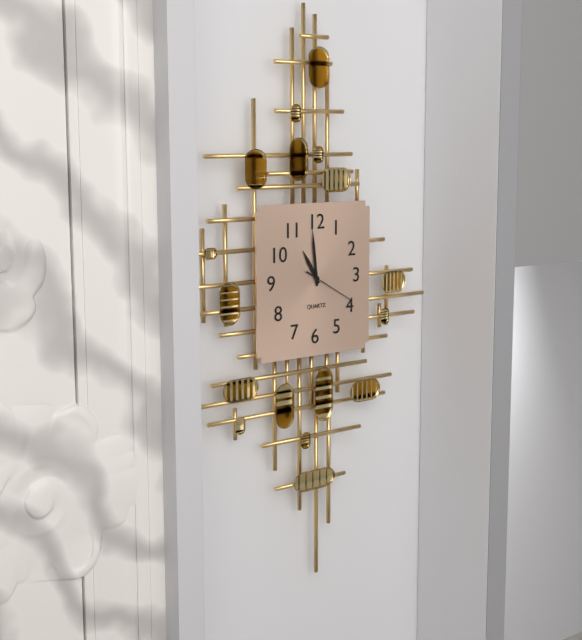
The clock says 10h59m20s
